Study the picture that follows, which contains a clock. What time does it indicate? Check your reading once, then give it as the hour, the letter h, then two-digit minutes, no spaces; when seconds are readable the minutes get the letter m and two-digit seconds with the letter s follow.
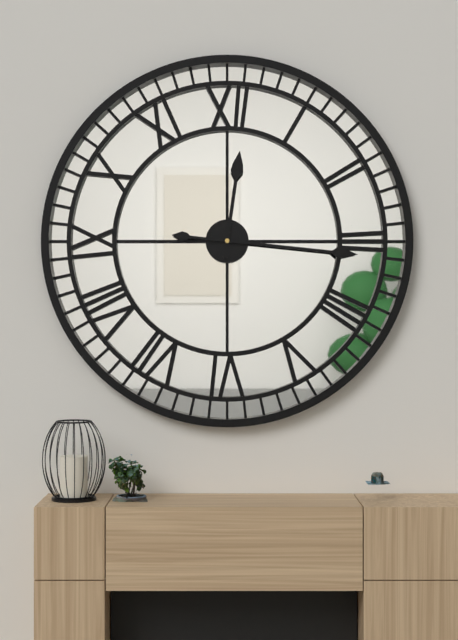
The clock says 12h16
